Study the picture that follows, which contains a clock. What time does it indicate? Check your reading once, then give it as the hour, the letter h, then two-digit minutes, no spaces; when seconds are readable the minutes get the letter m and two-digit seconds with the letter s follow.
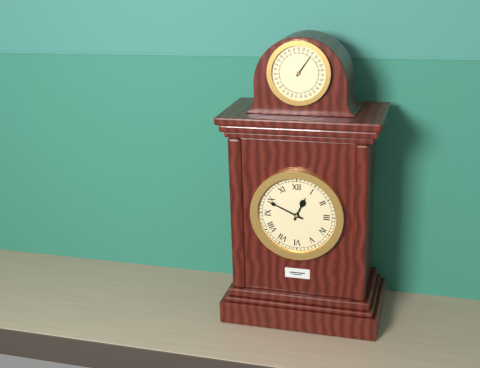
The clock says 12h49
